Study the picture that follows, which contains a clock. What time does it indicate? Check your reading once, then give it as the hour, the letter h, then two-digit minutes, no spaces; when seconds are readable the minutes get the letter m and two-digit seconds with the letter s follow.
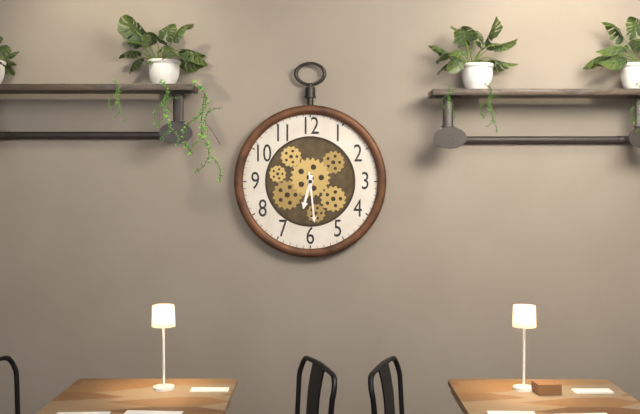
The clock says 6h29
